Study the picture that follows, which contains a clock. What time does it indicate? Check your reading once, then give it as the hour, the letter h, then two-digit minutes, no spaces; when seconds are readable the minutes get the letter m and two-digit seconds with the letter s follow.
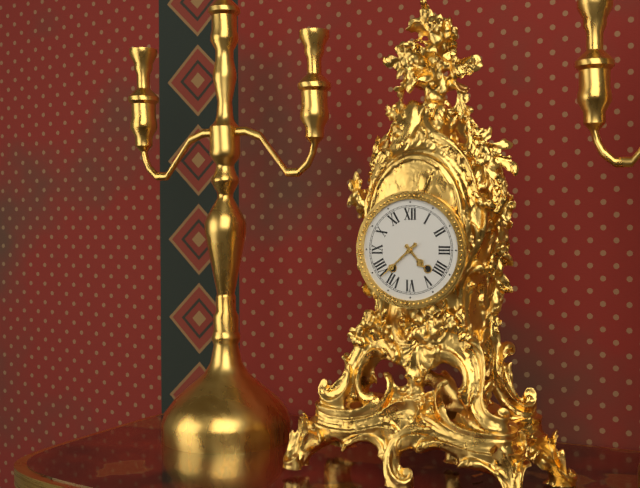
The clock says 4h38
